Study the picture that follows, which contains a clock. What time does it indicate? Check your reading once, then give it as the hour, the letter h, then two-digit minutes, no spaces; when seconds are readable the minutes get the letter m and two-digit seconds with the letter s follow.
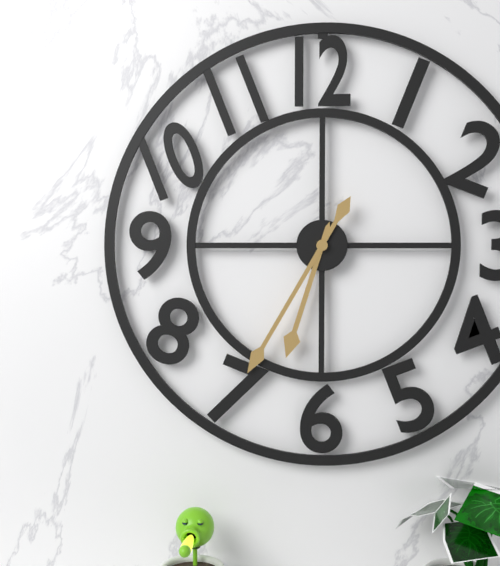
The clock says 6h35
